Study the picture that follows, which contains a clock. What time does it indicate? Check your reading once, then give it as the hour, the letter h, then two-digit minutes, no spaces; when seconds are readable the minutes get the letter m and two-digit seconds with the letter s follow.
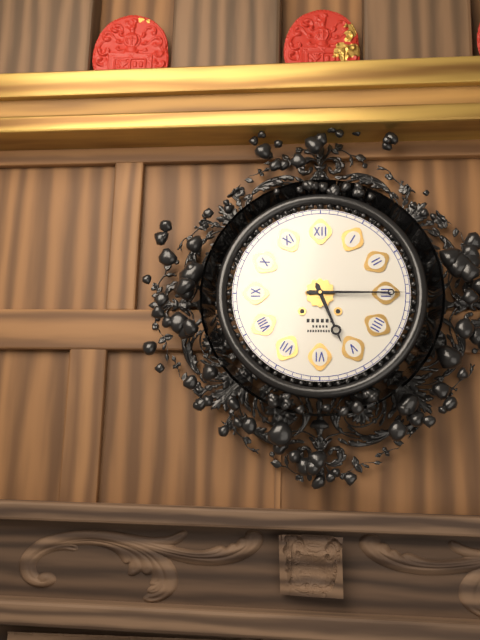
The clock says 5h15
